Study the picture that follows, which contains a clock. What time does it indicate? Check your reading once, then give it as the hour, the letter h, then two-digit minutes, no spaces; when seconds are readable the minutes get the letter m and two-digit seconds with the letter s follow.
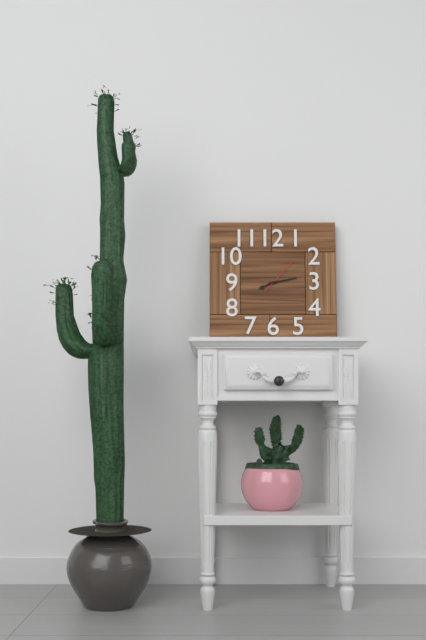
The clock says 8h13
